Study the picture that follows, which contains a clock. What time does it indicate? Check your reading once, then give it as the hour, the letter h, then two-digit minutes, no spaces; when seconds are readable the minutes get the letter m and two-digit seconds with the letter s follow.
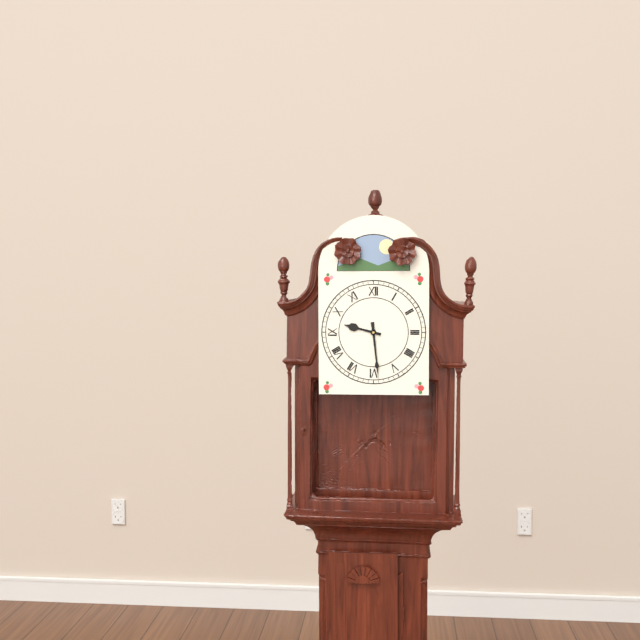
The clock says 9h29
